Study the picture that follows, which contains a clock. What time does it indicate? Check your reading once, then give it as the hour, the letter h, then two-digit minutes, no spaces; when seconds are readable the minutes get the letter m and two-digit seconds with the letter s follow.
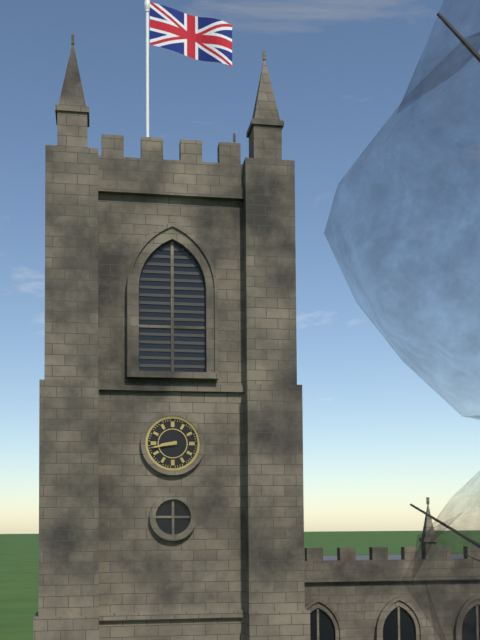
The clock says 8h43
